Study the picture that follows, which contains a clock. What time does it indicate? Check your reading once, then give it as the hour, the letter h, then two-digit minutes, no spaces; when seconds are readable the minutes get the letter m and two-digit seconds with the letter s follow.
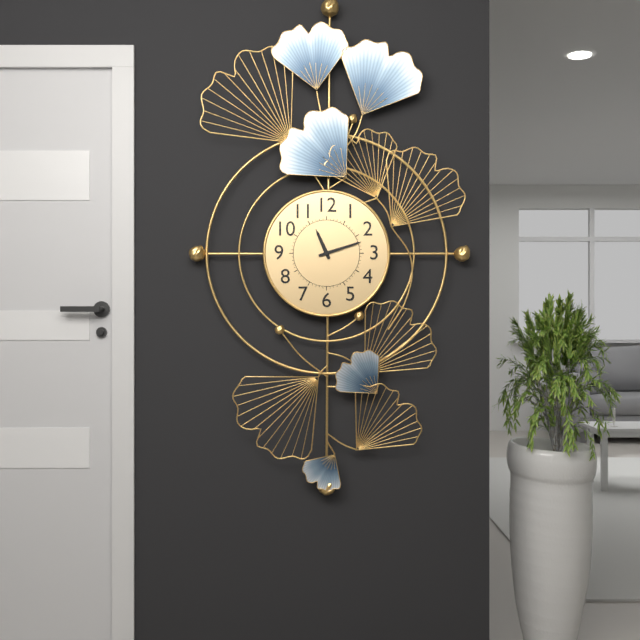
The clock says 11h12
